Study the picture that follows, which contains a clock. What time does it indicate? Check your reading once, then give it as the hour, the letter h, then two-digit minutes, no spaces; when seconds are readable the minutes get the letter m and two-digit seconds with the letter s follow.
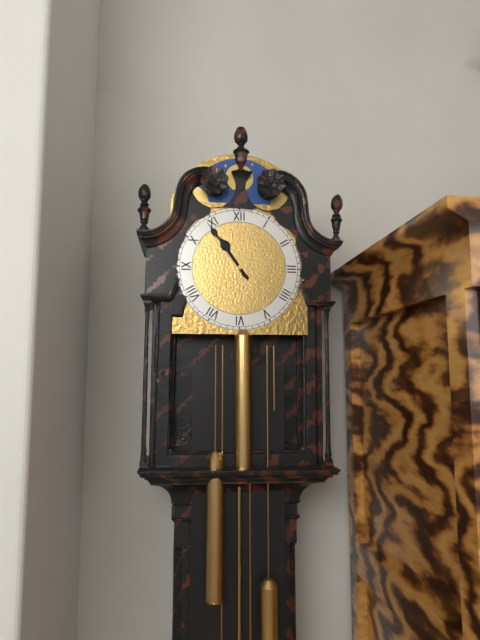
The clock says 10h54
